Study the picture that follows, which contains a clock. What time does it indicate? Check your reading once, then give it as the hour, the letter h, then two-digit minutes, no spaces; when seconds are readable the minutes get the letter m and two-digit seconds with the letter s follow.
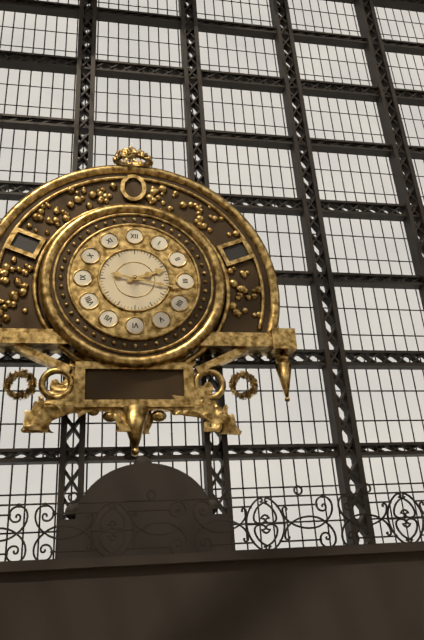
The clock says 2h17
